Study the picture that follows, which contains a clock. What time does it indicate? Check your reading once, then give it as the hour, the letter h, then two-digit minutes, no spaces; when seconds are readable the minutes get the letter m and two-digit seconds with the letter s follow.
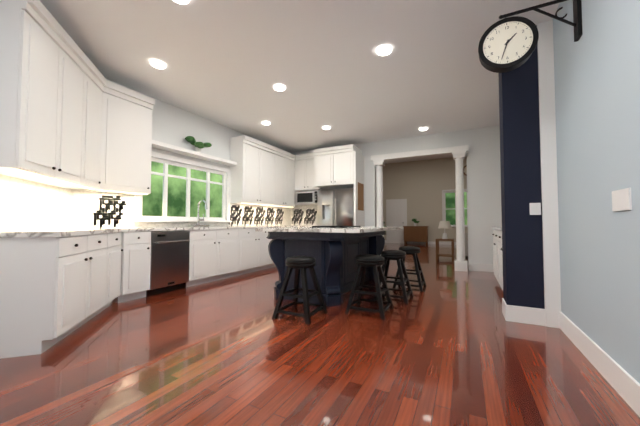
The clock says 1h33
